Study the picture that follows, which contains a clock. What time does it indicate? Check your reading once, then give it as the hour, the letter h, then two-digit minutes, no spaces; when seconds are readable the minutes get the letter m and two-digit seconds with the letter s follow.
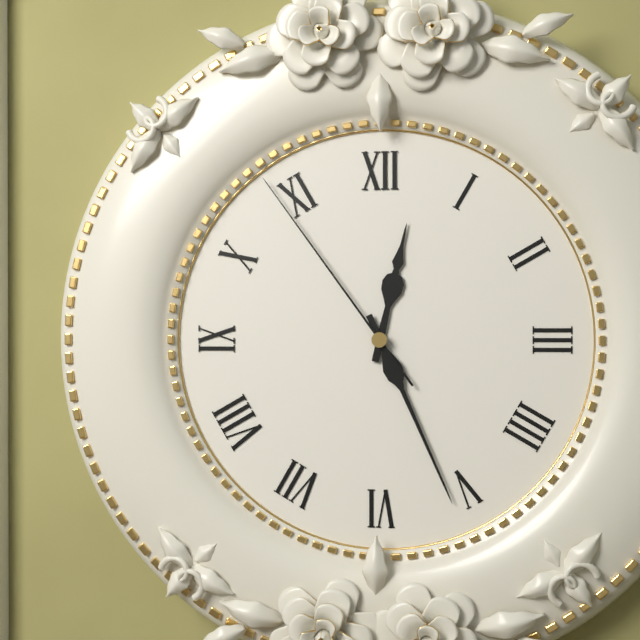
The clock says 12h26m54s
